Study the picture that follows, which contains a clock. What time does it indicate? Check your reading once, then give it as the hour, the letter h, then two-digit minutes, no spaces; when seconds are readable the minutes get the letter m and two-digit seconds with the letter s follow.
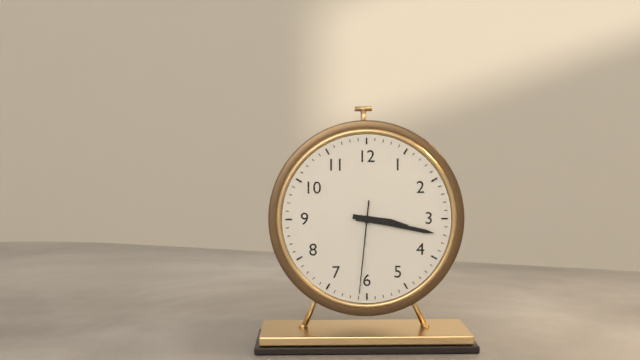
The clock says 3h17m31s
